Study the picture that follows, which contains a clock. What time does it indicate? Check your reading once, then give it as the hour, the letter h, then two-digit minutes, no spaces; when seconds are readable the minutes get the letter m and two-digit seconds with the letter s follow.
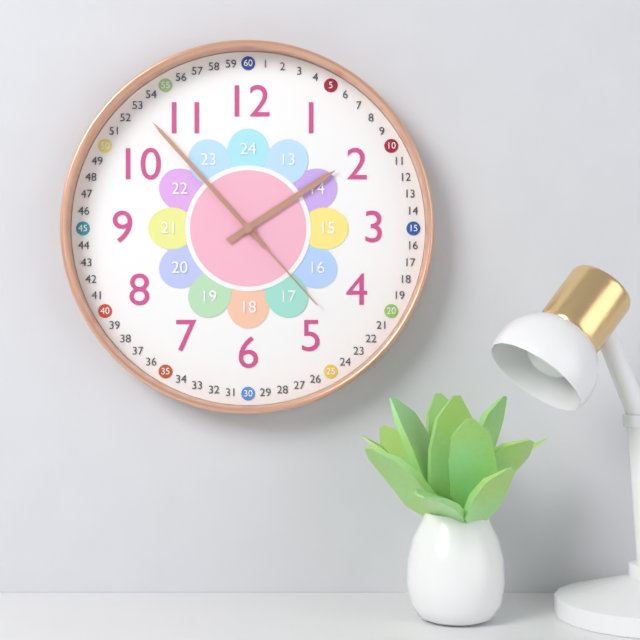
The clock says 1h53m23s
